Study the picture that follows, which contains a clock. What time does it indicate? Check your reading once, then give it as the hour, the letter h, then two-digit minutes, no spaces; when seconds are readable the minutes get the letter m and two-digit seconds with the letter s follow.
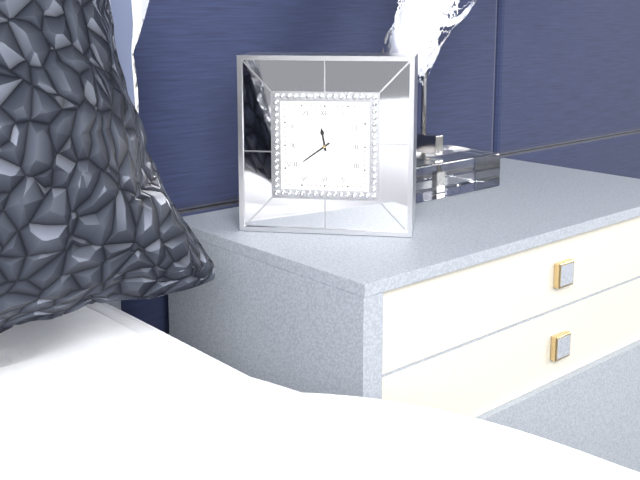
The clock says 11h39
